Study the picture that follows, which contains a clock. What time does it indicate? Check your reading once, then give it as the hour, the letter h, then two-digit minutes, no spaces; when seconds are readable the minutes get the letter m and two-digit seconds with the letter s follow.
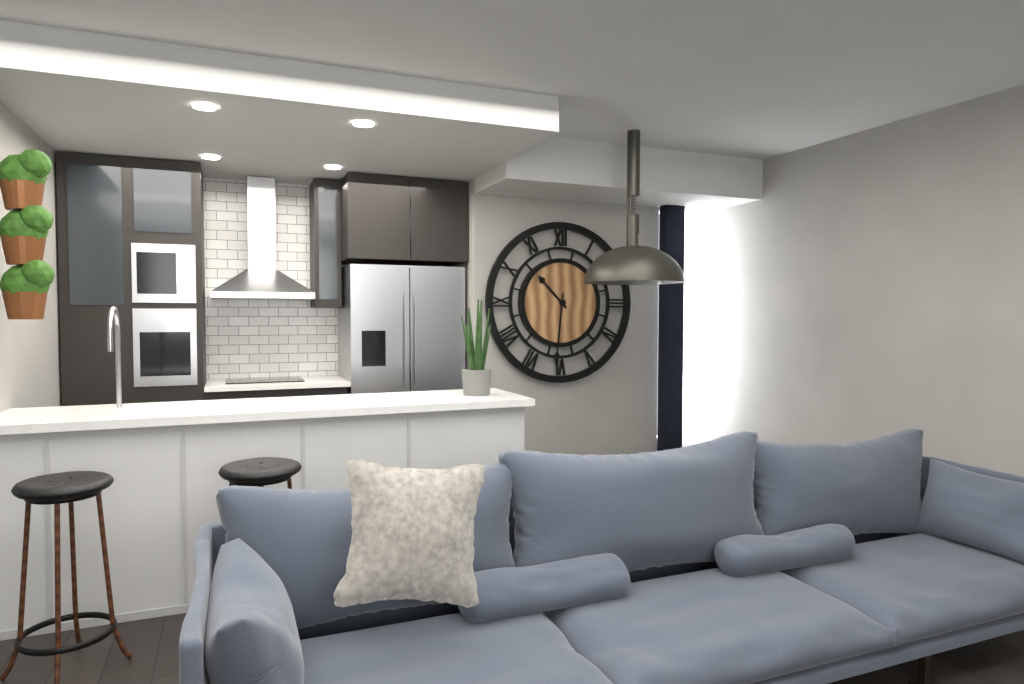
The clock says 10h31
